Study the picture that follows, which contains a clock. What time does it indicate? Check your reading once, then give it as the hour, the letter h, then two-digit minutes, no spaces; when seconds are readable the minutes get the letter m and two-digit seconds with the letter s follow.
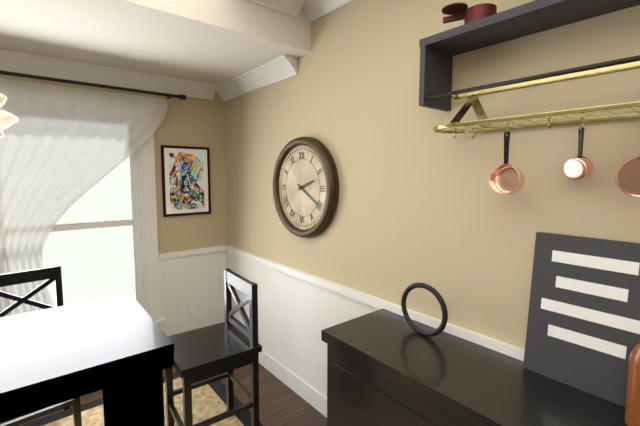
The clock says 2h20
